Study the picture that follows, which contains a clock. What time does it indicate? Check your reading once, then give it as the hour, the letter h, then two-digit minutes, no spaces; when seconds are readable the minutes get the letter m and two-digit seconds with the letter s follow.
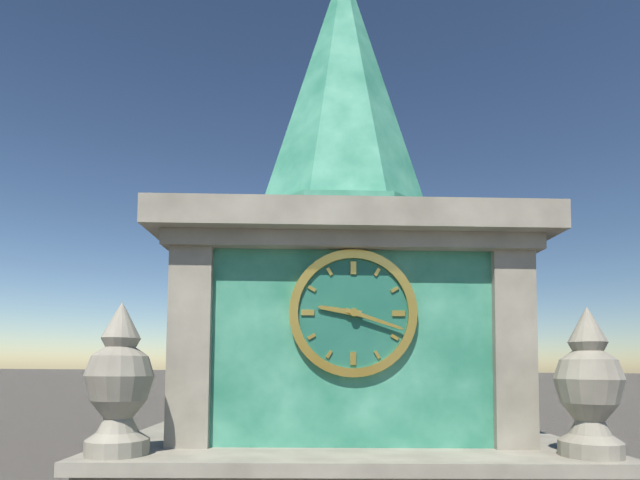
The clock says 9h18
